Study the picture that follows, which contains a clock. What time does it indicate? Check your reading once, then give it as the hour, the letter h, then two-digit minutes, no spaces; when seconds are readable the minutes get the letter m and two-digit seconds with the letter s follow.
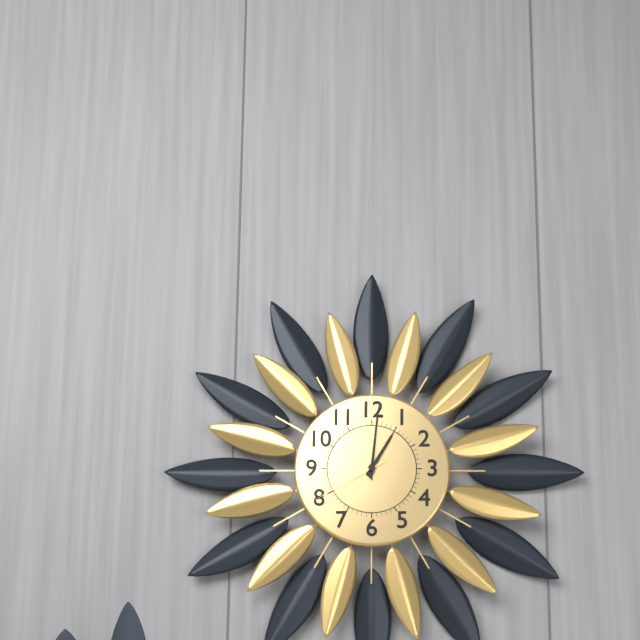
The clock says 1h01m40s
